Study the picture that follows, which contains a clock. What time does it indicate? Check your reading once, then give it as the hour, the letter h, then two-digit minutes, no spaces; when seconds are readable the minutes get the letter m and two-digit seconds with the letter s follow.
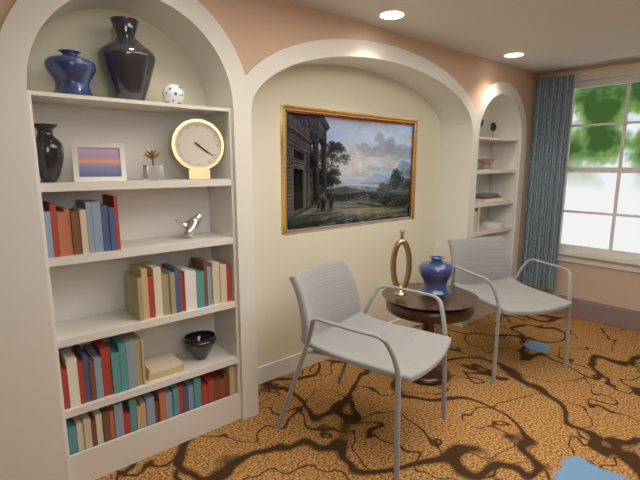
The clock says 4h21
